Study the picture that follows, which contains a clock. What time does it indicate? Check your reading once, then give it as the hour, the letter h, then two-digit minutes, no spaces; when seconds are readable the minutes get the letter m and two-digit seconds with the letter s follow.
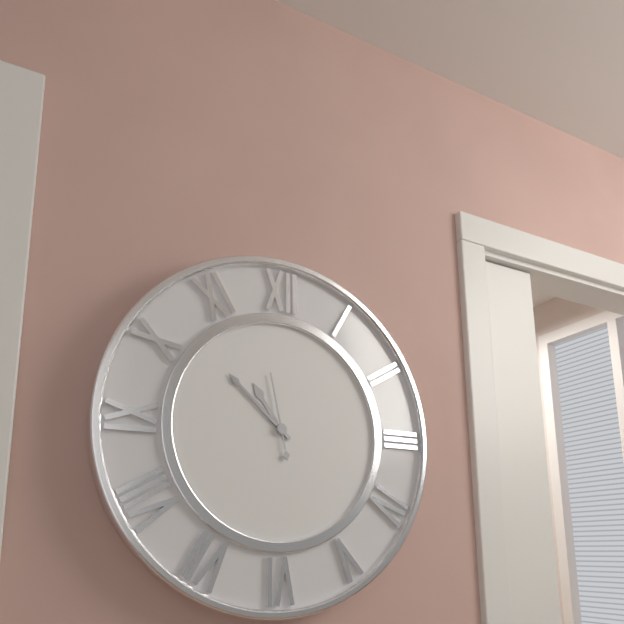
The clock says 10h52m58s
